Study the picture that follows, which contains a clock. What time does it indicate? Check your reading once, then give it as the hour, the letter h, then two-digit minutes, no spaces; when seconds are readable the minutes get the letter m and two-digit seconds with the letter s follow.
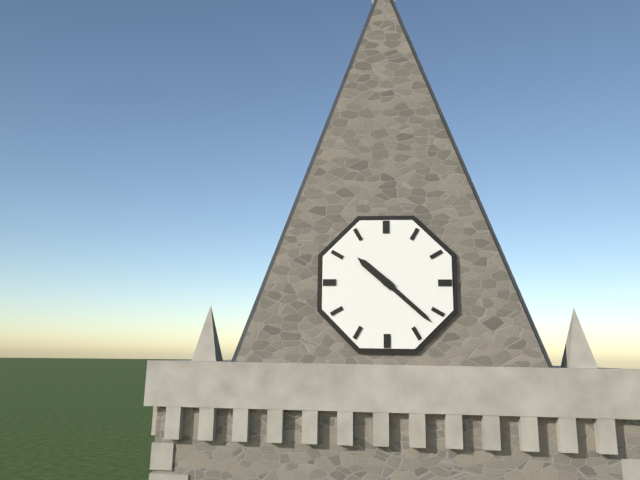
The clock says 10h22
